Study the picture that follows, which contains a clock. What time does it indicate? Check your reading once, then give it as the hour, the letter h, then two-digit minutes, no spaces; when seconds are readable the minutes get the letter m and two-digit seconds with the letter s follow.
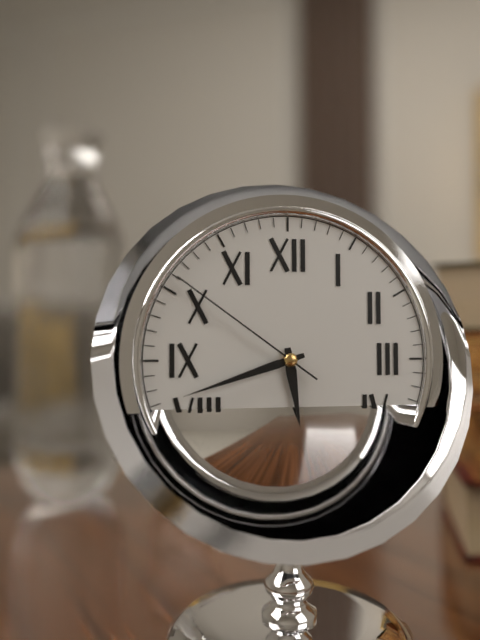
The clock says 5h42m51s
